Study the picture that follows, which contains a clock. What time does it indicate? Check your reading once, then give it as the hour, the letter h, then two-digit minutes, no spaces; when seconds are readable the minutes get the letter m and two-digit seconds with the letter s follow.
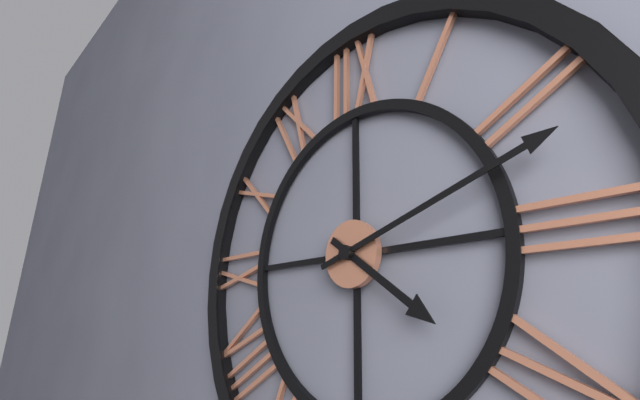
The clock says 4h12
